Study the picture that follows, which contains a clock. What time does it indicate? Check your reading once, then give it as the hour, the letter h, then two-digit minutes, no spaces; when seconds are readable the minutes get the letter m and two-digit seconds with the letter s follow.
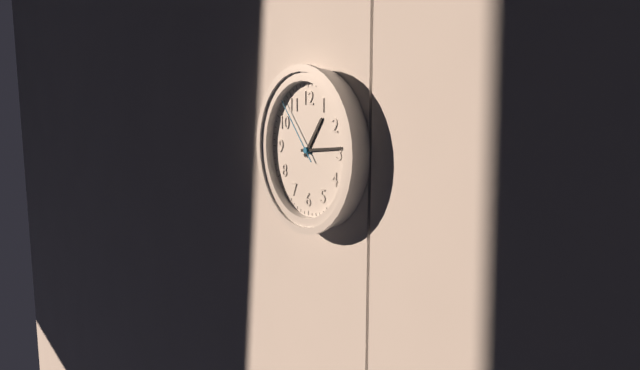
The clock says 1h14m53s
